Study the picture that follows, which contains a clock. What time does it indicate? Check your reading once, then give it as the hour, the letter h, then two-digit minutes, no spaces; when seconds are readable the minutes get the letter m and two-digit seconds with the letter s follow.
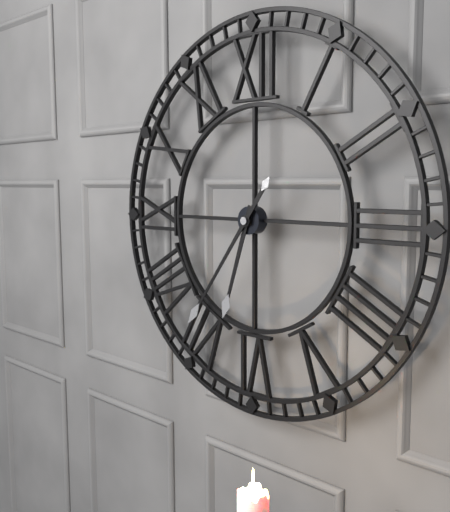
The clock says 6h36
